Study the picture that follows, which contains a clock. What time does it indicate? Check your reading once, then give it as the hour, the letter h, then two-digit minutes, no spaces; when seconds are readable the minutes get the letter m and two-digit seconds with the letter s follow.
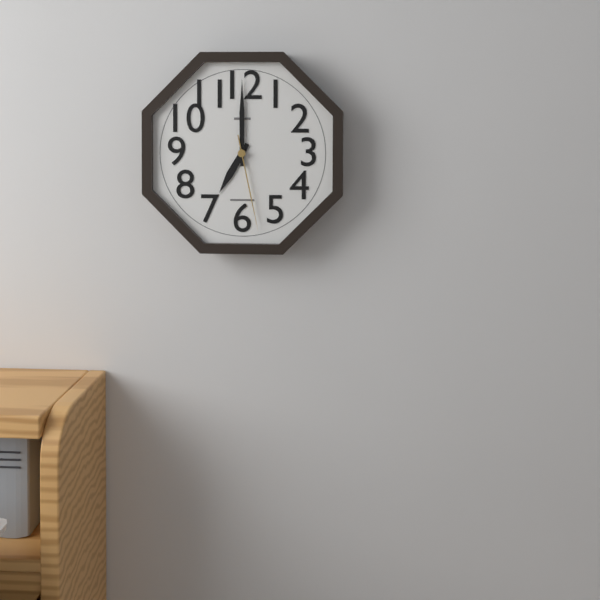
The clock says 7h00m28s
